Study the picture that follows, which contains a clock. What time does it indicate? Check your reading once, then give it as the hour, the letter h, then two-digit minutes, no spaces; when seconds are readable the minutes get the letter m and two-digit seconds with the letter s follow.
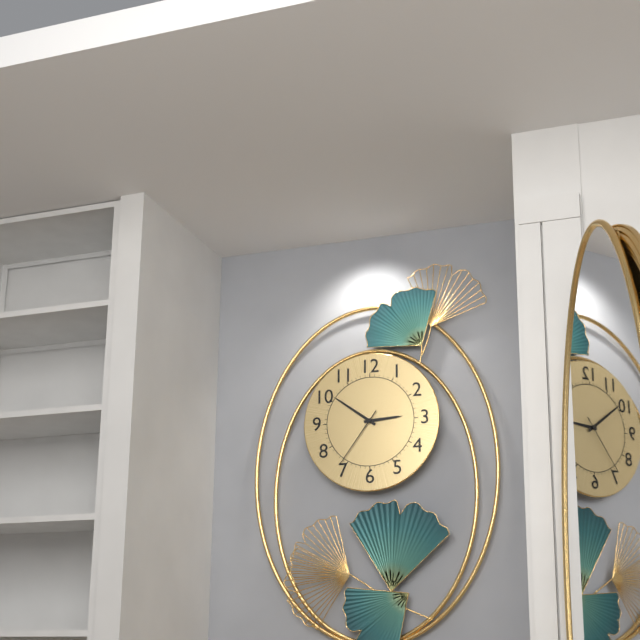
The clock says 2h51m36s
